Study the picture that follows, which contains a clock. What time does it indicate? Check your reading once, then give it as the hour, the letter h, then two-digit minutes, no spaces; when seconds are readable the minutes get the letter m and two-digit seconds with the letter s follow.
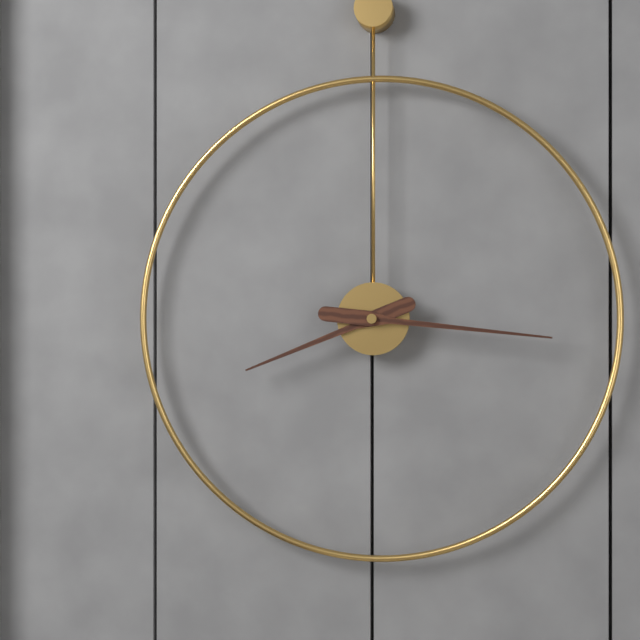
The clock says 8h16
